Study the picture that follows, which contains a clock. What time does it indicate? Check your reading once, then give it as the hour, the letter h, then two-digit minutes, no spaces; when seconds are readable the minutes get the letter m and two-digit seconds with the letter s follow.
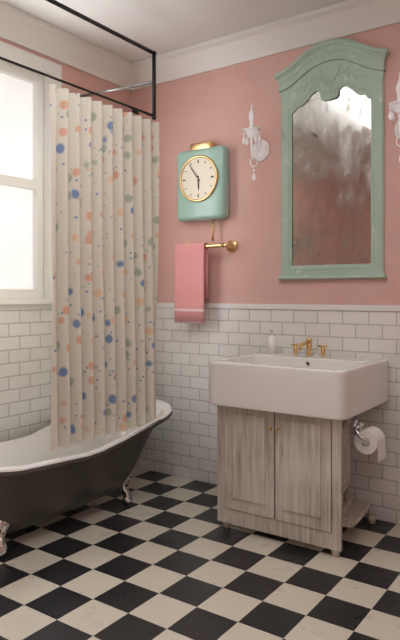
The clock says 5h54
